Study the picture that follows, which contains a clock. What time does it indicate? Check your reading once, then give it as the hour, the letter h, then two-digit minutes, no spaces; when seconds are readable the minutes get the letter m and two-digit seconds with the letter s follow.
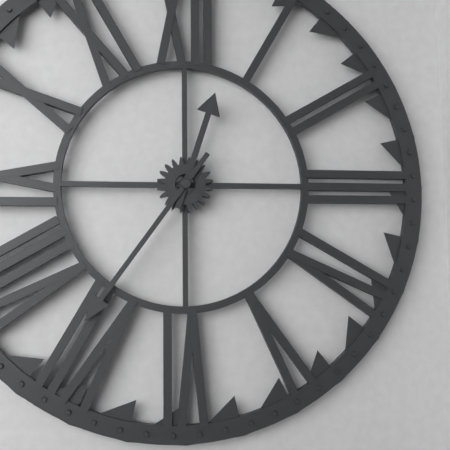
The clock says 12h36
